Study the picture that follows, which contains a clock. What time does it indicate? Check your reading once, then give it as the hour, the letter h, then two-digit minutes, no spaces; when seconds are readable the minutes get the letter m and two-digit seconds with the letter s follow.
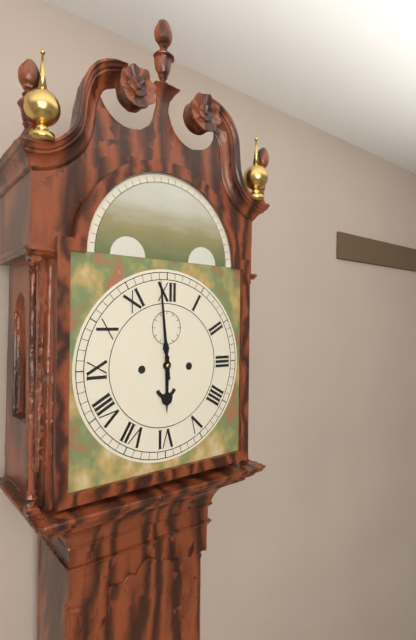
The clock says 5h59
